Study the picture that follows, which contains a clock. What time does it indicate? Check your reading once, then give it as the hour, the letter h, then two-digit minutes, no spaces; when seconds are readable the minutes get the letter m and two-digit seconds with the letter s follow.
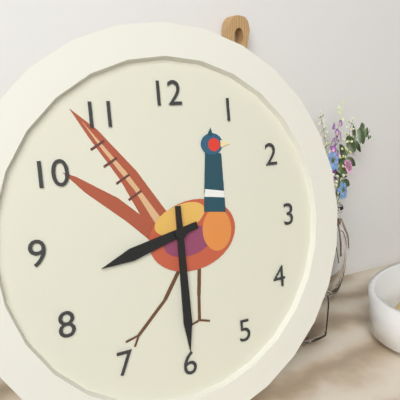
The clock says 8h30
